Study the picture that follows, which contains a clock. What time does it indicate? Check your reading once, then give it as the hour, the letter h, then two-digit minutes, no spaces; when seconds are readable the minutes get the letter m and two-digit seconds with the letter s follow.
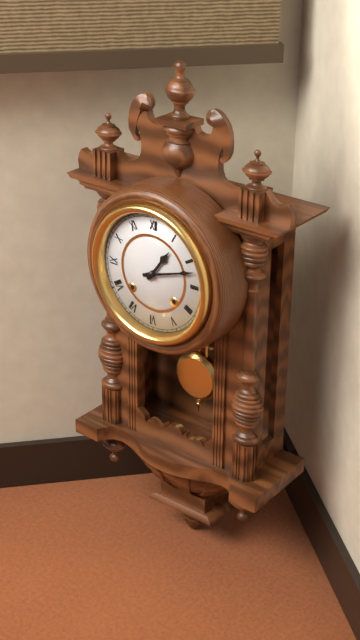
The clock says 1h12
